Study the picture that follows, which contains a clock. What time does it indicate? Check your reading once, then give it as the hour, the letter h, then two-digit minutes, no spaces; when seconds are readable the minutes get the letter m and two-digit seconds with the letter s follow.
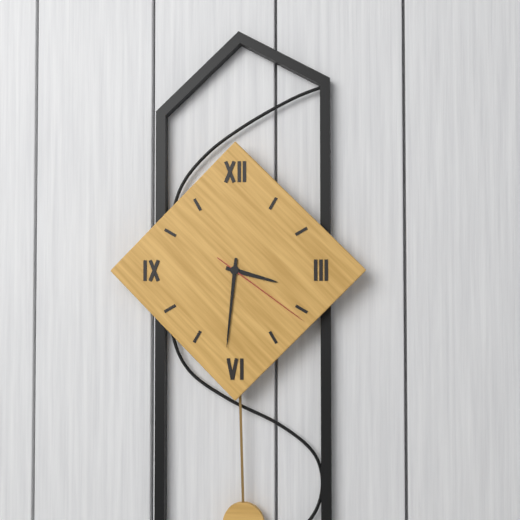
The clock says 3h31m21s
